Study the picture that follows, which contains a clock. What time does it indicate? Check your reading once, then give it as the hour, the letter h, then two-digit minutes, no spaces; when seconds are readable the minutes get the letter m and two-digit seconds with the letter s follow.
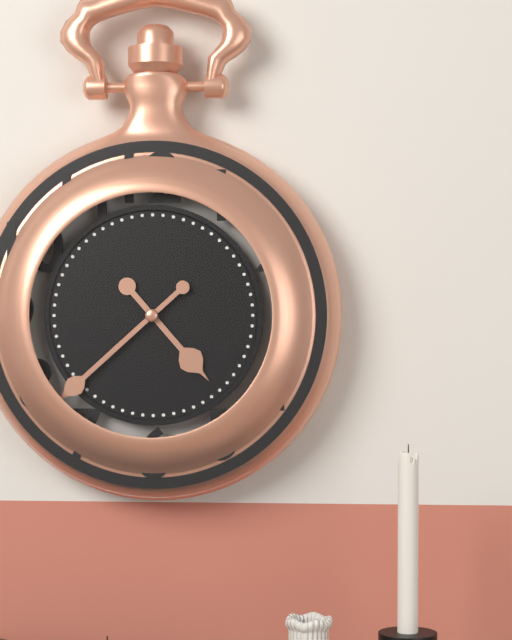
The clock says 4h38
